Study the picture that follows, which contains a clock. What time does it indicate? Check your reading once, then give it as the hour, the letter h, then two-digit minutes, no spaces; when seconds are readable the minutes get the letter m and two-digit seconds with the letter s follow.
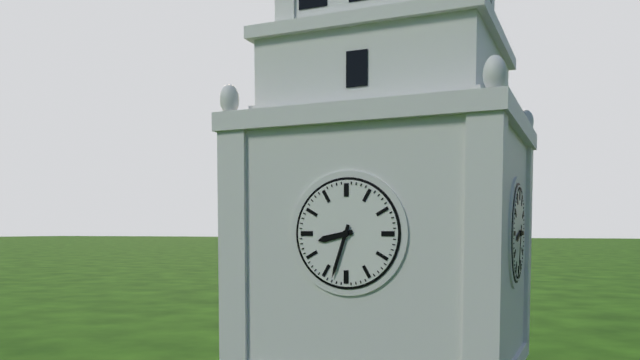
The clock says 8h33
